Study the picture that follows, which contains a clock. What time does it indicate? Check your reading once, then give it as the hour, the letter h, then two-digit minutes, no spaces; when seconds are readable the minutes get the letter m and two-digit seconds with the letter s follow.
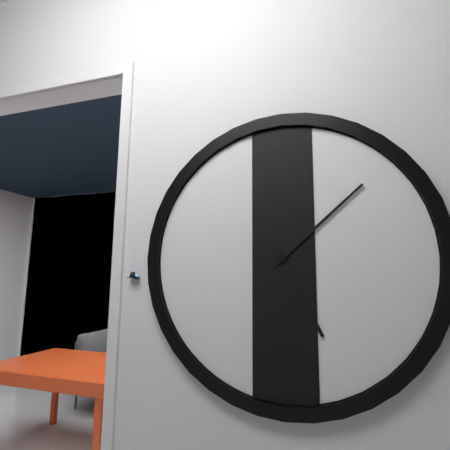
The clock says 5h08
